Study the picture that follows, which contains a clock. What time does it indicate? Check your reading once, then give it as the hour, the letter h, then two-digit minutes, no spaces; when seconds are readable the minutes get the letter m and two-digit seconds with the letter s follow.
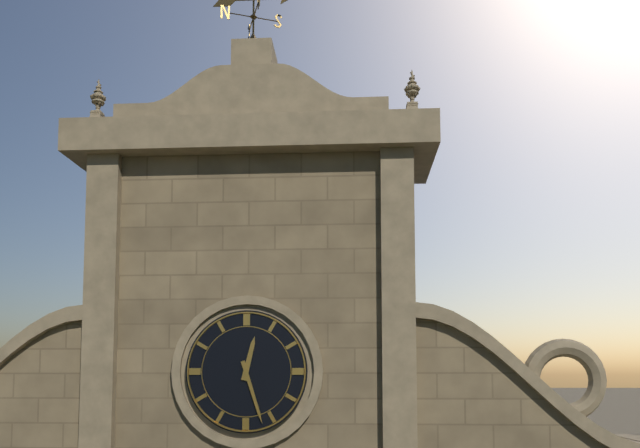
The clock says 12h27
